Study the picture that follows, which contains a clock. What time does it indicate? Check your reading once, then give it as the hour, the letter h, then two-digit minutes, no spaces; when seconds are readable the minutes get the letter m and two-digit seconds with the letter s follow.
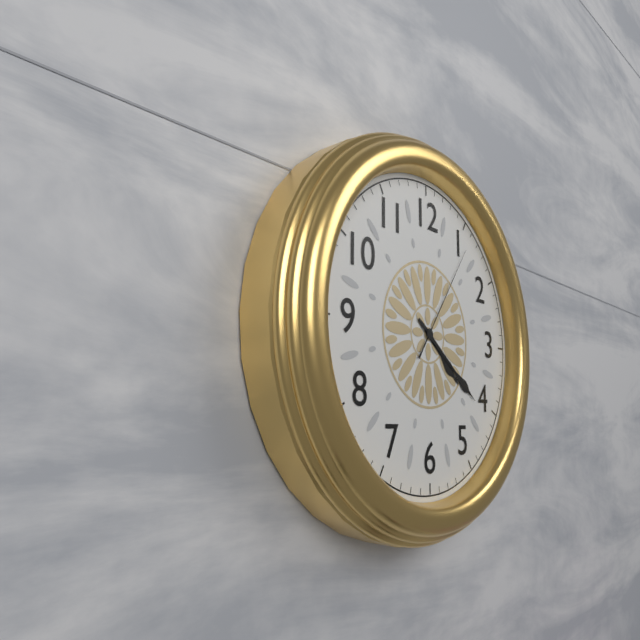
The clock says 4h21m06s
